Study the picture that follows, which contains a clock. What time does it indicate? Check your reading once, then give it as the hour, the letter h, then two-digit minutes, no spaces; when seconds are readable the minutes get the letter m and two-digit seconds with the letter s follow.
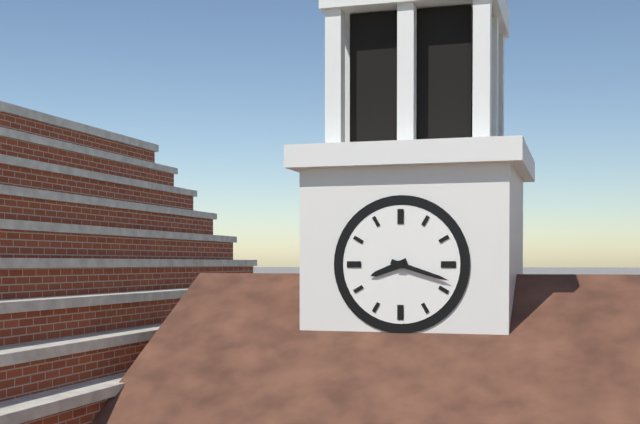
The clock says 8h18
